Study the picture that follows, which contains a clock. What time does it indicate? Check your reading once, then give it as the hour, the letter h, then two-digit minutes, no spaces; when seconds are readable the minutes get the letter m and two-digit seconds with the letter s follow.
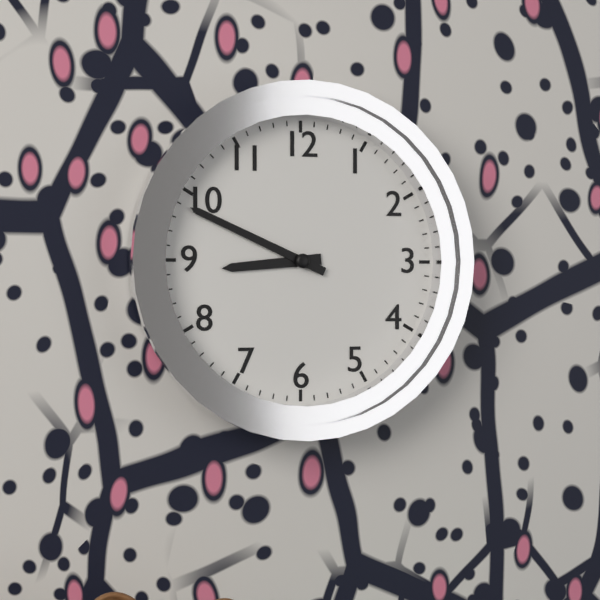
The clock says 8h49
